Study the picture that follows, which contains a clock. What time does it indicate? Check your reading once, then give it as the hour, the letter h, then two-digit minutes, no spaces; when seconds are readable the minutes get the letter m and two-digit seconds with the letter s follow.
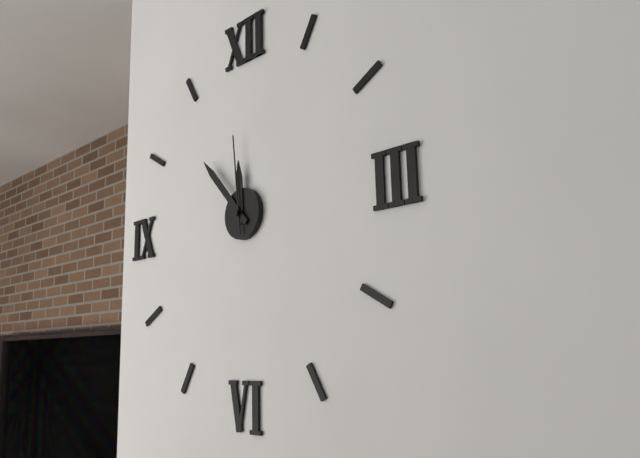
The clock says 11h53m59s
